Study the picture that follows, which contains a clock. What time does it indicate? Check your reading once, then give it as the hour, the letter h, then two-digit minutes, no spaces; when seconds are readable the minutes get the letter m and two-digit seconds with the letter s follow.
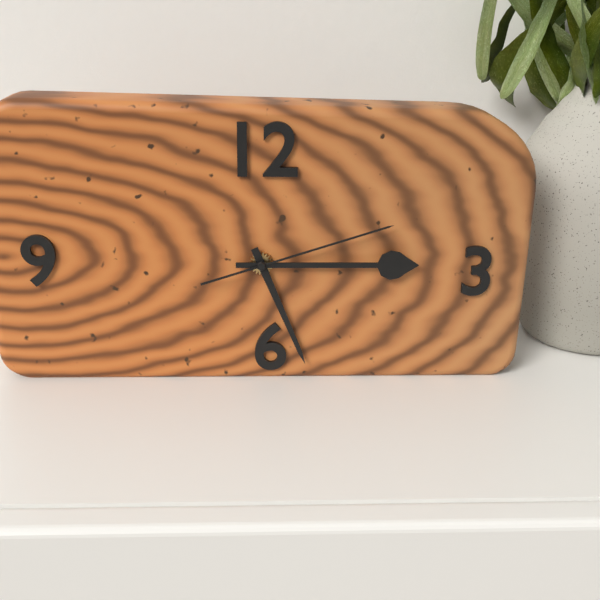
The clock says 5h15m12s
